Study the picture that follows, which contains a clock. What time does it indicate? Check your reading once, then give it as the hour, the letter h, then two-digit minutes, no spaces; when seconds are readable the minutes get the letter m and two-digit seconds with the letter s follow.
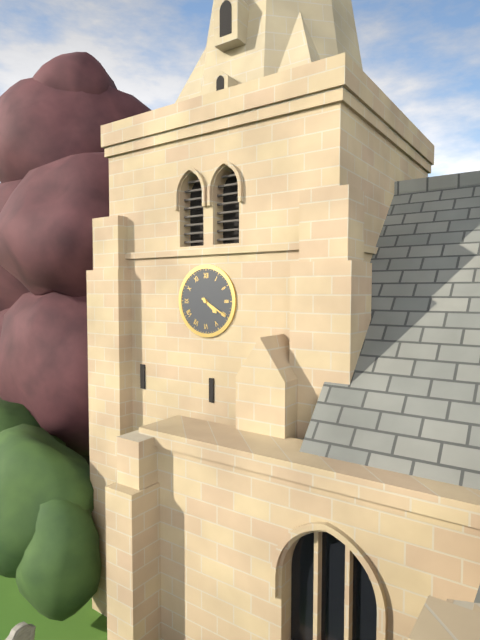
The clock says 4h20
